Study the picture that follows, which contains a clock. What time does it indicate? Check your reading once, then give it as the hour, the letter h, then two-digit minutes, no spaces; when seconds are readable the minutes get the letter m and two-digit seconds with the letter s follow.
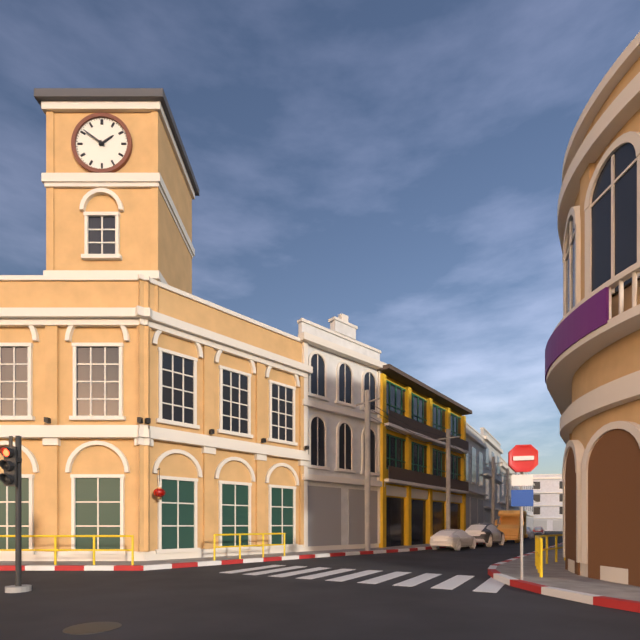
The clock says 1h51
